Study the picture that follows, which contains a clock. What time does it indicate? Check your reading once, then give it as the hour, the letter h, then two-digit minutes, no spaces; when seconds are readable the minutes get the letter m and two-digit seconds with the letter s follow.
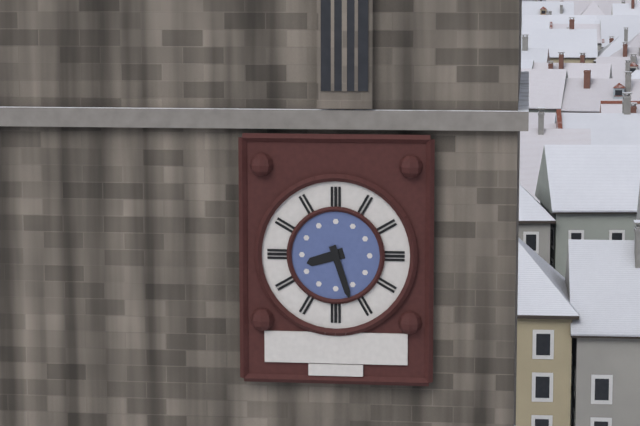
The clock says 8h27
